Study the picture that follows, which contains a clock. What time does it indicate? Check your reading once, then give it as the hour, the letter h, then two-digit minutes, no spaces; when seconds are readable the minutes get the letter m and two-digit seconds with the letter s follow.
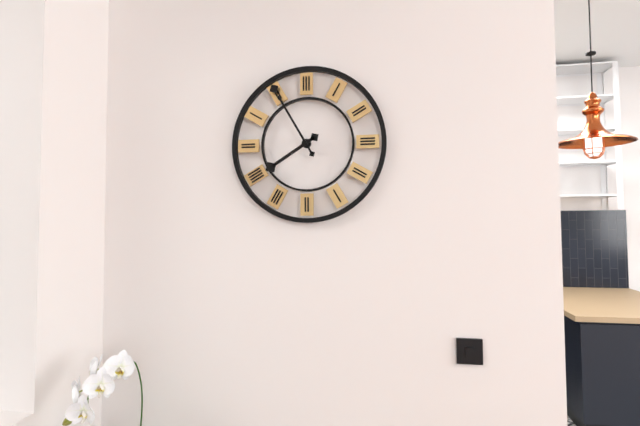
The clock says 7h55
